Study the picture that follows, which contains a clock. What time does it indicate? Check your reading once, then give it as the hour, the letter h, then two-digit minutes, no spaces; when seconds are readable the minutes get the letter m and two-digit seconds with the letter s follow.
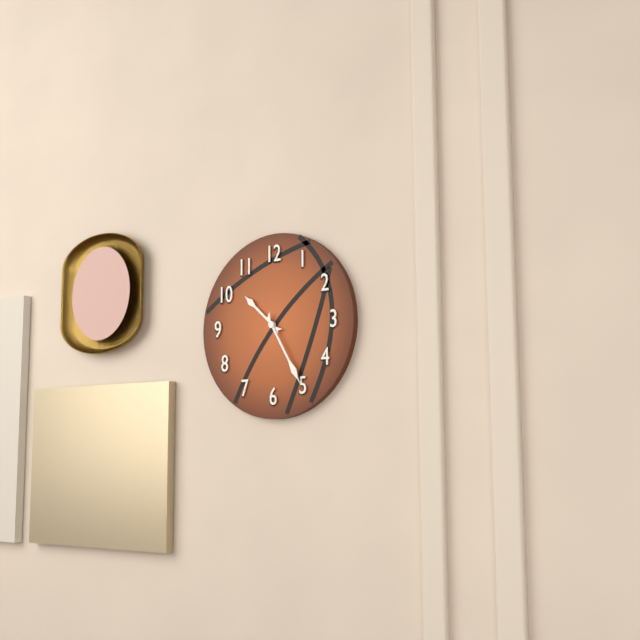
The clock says 10h25
